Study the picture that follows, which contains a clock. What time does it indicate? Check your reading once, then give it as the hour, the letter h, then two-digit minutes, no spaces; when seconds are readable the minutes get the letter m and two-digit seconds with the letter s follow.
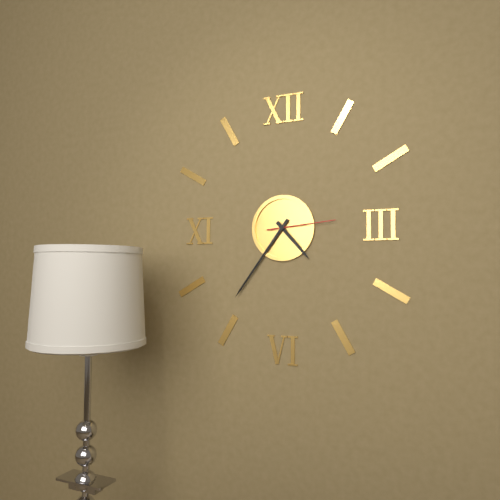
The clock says 4h36m14s
